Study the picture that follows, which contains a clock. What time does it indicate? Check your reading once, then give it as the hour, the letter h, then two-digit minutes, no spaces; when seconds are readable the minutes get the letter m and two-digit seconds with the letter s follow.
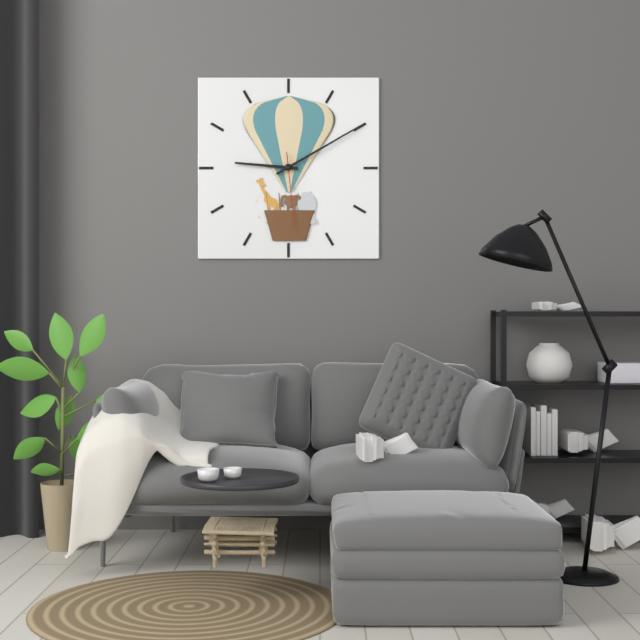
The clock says 9h10m29s
